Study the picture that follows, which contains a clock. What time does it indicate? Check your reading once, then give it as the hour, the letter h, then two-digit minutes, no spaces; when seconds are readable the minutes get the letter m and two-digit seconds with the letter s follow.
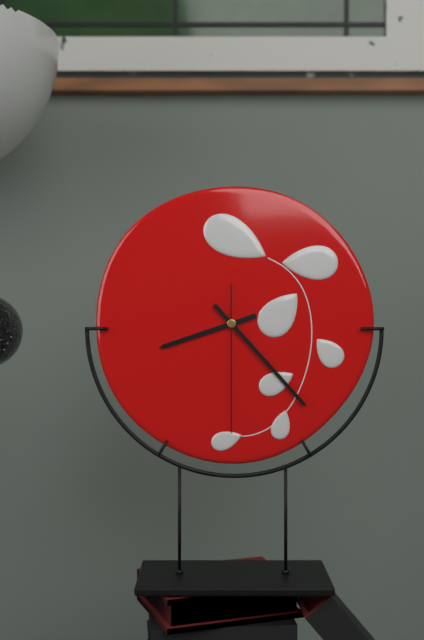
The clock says 8h23m30s
